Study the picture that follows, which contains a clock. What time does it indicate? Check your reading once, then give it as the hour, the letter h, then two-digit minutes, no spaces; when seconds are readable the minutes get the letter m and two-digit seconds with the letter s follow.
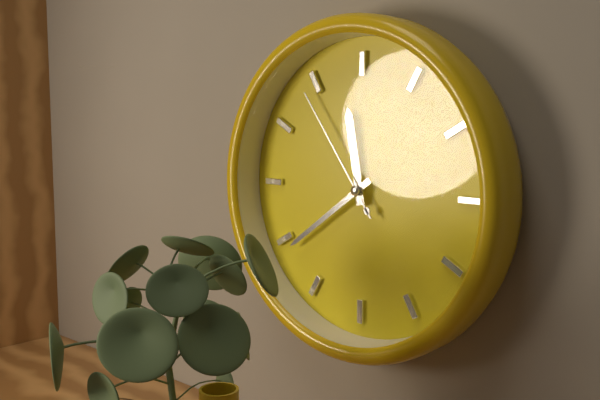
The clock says 11h39m54s
